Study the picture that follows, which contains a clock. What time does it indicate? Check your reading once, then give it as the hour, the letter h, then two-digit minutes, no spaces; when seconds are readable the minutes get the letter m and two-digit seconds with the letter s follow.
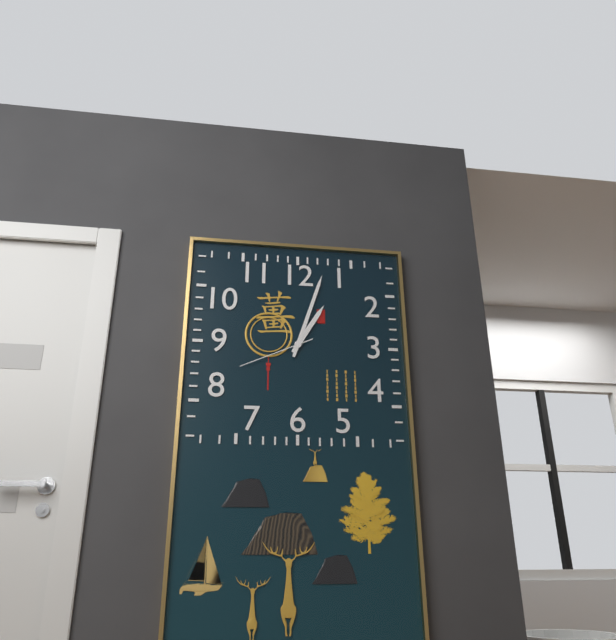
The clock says 1h03m41s
